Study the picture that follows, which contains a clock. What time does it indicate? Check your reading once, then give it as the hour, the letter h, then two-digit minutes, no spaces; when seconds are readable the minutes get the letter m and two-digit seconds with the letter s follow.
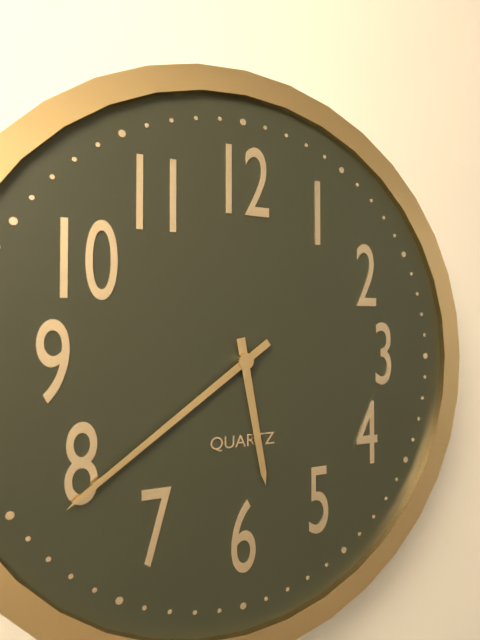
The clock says 5h39
